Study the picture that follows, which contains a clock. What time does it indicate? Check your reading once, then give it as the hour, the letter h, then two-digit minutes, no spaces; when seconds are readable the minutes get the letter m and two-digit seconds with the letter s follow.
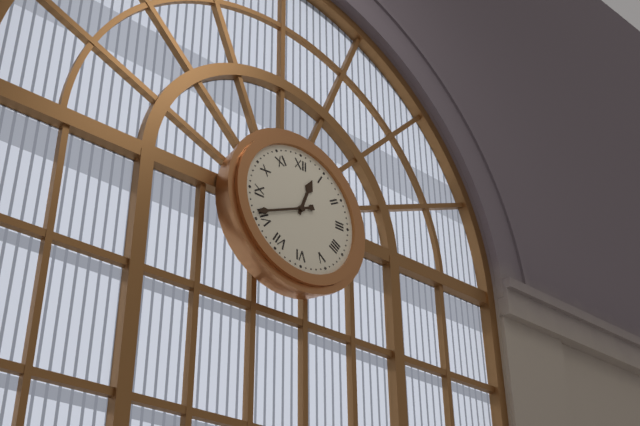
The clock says 12h41
